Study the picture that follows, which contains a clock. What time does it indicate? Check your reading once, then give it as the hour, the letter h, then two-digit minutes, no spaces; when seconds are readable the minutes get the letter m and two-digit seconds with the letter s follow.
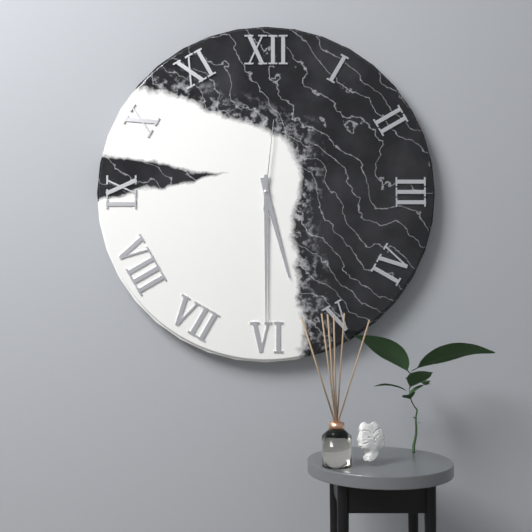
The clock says 5h30m01s
